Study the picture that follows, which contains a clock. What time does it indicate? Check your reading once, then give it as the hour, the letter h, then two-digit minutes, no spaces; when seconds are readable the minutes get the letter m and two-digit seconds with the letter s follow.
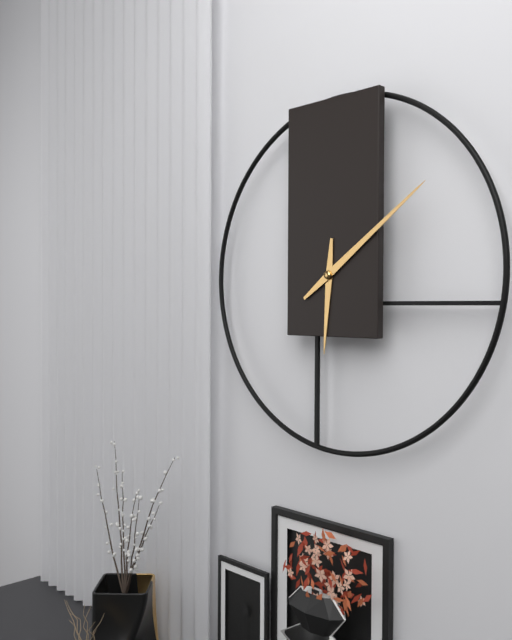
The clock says 6h09
